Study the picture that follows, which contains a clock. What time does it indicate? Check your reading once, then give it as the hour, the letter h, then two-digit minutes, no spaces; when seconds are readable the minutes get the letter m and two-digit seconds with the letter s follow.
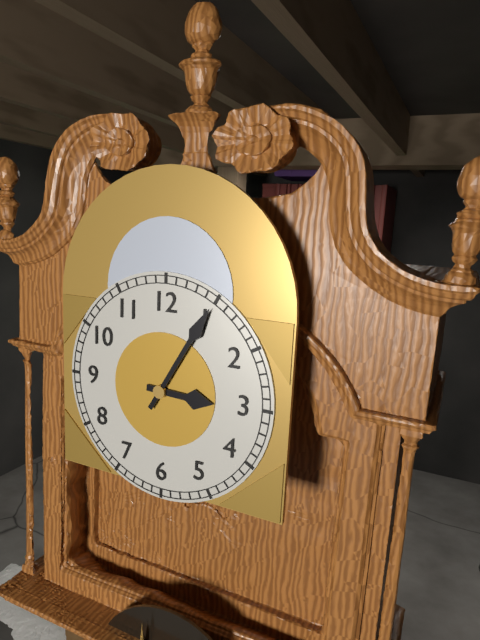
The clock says 3h05
